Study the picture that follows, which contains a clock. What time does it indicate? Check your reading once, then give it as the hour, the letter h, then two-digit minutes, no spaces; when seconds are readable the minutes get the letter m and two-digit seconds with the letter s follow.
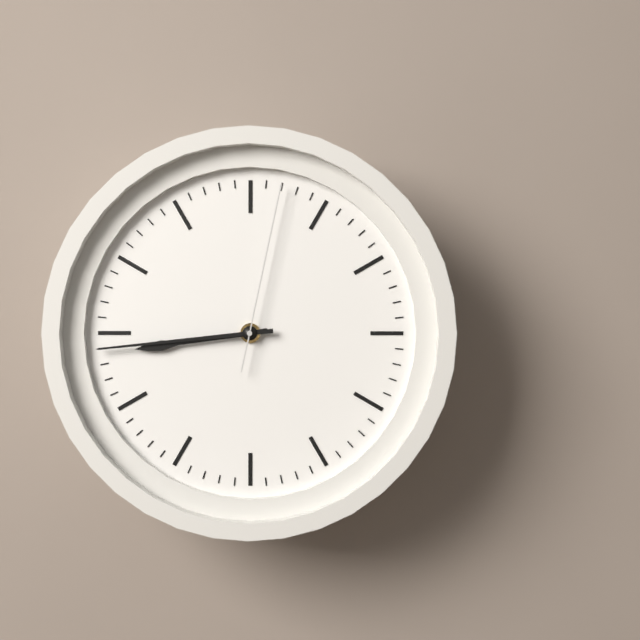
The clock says 8h44m02s
